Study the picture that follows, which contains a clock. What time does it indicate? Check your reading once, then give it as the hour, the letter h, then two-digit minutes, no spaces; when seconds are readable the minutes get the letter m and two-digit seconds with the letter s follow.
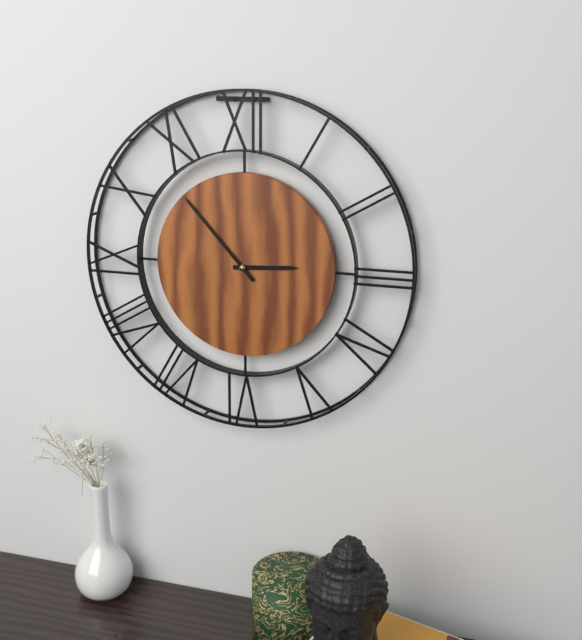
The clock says 2h53
